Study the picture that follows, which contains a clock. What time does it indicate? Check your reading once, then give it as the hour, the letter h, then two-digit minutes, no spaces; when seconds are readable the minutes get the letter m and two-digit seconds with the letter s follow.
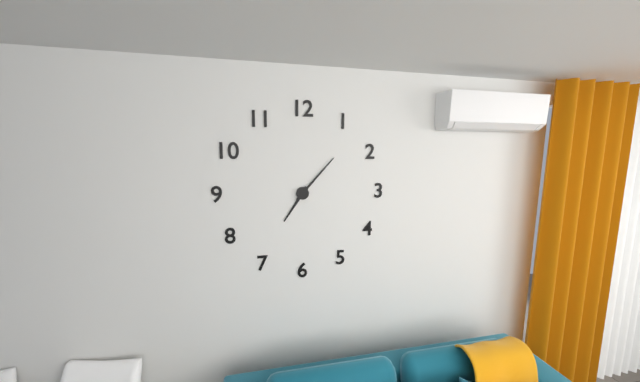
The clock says 7h07
